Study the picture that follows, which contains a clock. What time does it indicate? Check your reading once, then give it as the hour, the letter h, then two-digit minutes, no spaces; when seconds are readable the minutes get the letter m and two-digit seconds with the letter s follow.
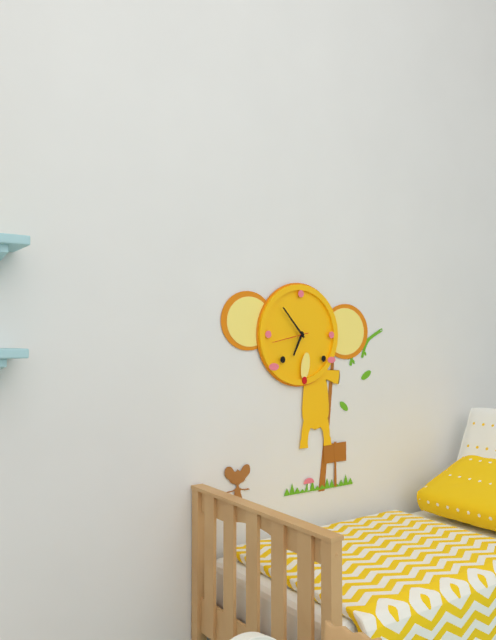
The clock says 6h53
